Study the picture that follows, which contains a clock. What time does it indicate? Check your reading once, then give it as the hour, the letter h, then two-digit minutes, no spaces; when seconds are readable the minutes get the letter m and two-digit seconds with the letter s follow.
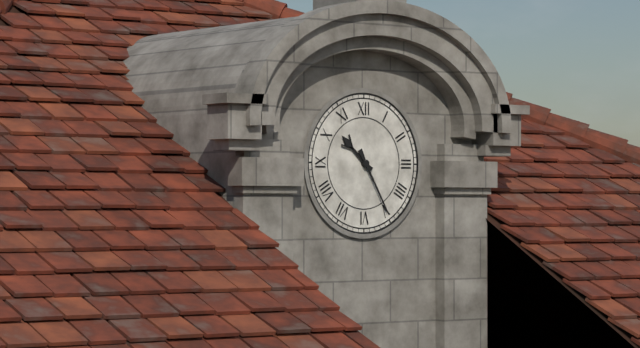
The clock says 10h25
